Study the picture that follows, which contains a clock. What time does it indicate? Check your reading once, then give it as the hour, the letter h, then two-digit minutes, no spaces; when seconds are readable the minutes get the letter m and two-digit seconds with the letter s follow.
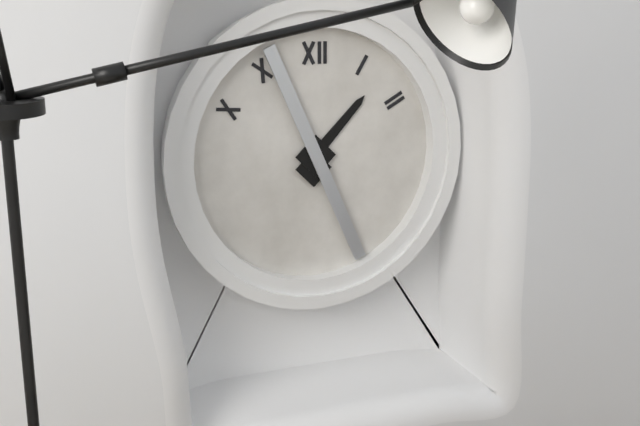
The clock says 1h26
